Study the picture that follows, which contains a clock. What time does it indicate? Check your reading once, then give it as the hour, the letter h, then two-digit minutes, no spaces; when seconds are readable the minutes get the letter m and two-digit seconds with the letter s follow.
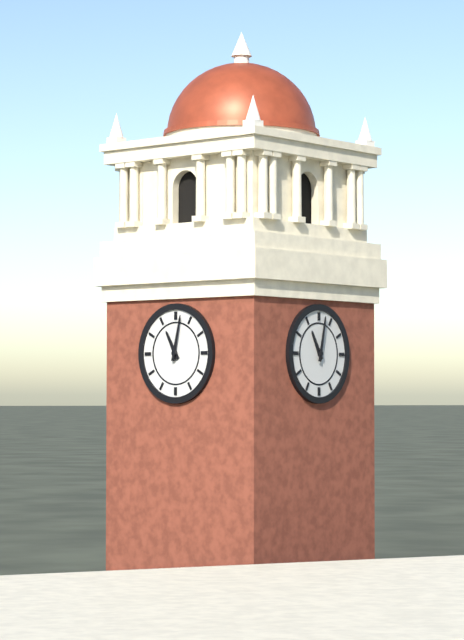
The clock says 11h02
